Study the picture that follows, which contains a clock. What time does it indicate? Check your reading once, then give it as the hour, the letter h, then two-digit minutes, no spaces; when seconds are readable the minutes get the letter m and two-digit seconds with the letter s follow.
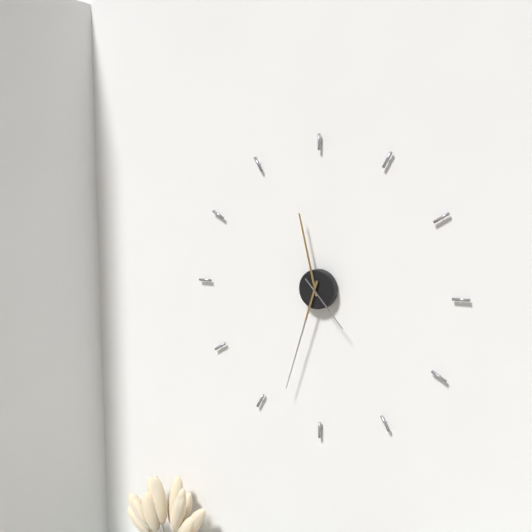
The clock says 11h33m23s
